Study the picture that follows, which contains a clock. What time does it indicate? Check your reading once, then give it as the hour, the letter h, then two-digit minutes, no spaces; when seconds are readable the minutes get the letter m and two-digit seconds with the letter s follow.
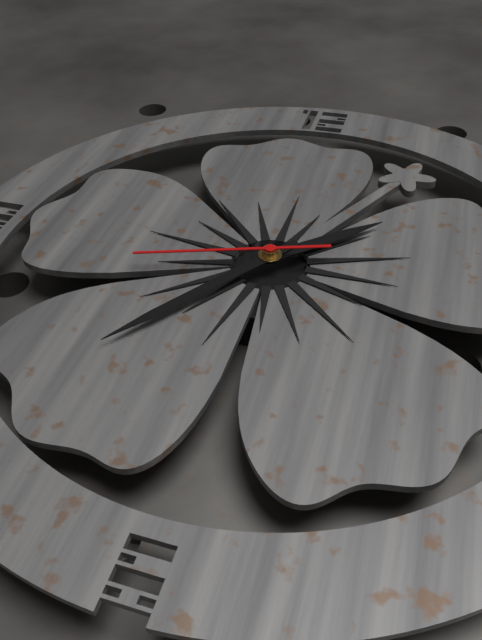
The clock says 1h36m42s
